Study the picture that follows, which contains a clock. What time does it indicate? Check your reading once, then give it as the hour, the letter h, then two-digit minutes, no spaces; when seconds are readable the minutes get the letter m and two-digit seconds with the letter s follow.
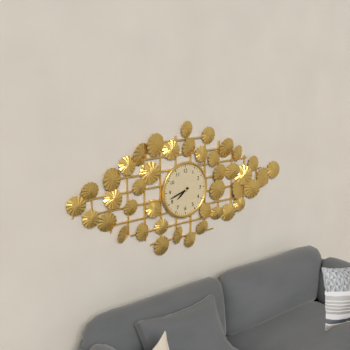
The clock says 7h42
